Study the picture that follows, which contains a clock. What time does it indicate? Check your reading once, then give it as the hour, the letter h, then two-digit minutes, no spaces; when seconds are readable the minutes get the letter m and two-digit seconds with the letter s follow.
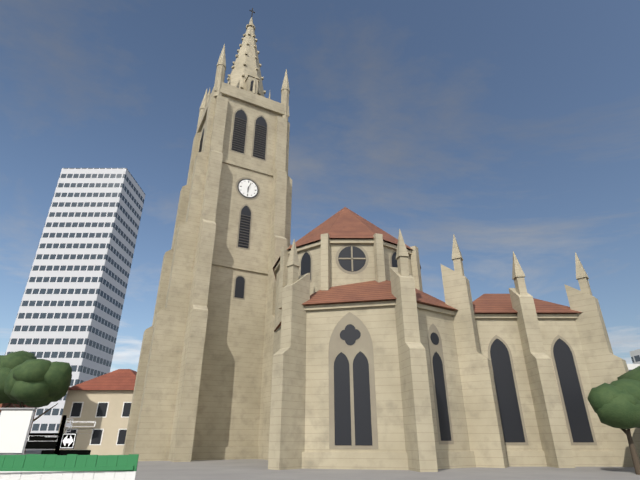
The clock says 6h03
